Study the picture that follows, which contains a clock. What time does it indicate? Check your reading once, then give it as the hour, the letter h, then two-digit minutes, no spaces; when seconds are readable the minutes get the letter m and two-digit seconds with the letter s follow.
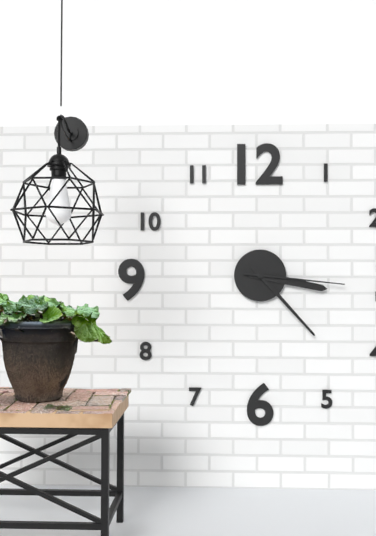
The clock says 3h23m16s
